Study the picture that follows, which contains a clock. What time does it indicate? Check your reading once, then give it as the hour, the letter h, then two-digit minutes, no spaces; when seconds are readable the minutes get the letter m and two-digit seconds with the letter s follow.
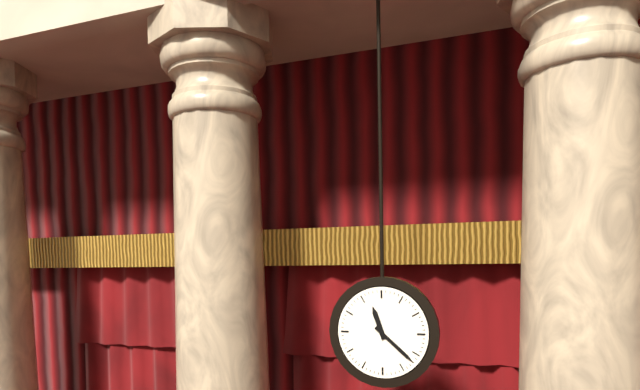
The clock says 11h22
